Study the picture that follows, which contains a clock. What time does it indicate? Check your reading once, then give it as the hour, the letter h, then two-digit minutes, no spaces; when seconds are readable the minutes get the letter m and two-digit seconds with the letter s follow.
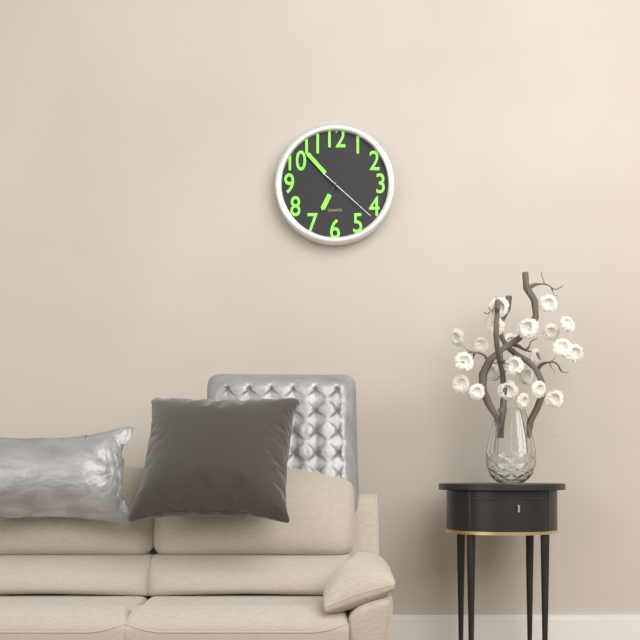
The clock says 6h53m22s
